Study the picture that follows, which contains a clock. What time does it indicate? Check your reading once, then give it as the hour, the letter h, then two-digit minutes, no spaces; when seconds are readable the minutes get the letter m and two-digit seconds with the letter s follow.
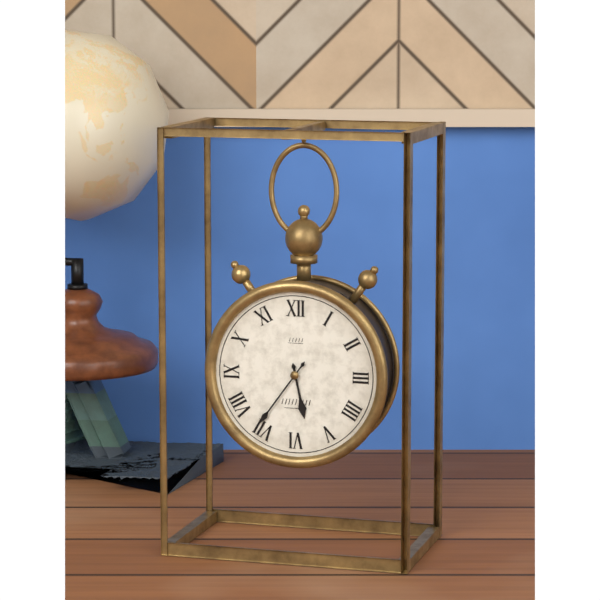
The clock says 5h36
